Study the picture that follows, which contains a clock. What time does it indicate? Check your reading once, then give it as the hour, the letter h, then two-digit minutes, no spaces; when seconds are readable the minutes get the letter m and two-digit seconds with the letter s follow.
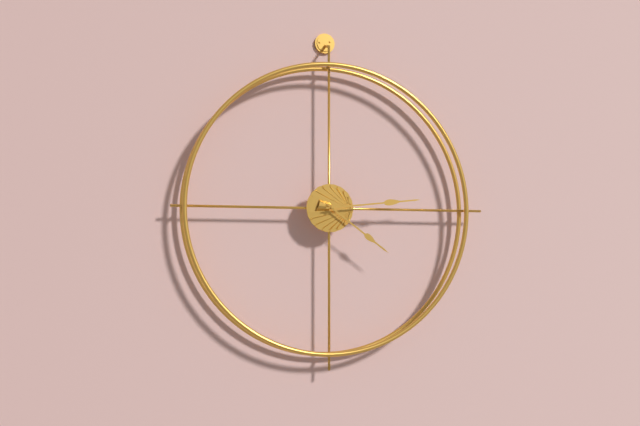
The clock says 4h14
